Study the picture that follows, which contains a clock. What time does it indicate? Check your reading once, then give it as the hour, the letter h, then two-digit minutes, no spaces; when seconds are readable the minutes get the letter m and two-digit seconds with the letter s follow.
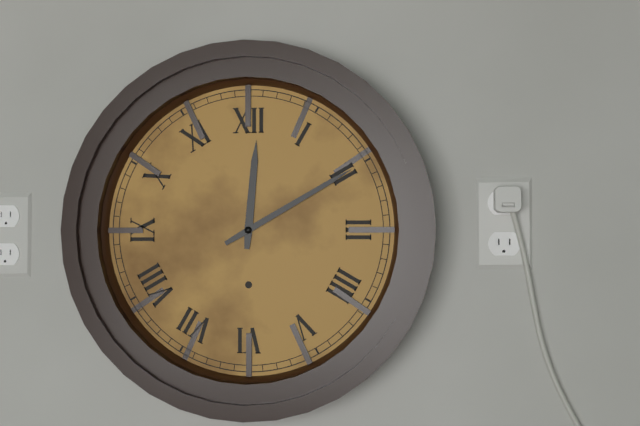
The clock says 12h10
